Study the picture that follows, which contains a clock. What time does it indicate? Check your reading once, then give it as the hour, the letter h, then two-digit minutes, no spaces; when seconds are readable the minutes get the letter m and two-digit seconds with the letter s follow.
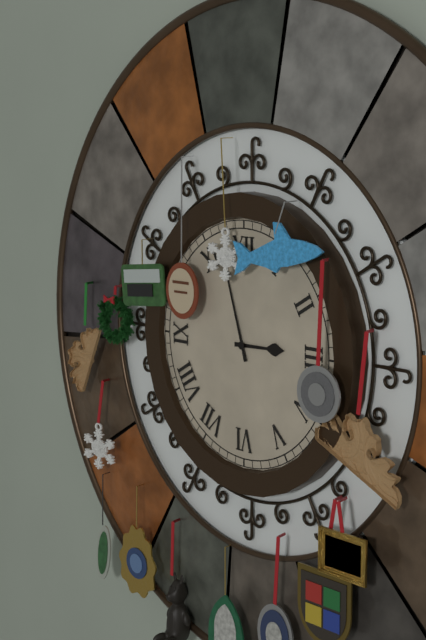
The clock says 2h57
